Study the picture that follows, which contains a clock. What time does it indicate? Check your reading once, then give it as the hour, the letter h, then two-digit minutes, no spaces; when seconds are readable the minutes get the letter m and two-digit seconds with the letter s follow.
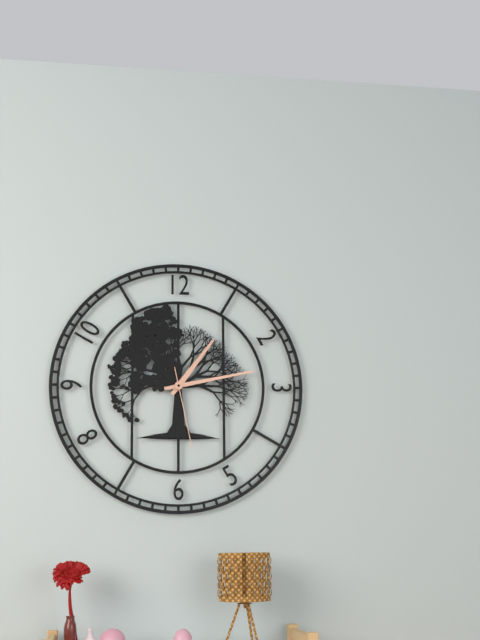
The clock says 1h13m28s
